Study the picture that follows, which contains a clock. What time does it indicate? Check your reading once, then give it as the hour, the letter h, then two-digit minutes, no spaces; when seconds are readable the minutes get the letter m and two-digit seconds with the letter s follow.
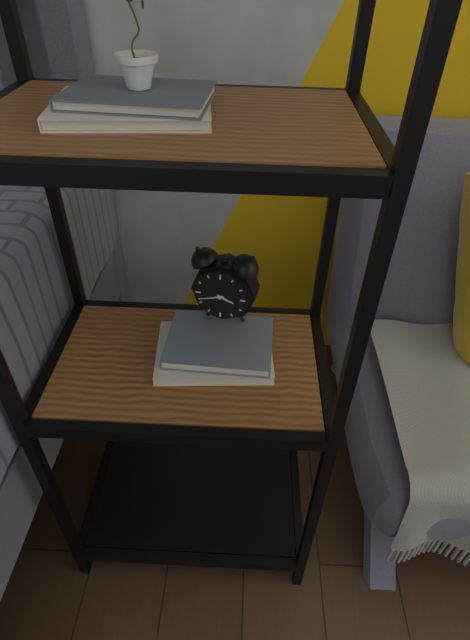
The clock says 3h42
